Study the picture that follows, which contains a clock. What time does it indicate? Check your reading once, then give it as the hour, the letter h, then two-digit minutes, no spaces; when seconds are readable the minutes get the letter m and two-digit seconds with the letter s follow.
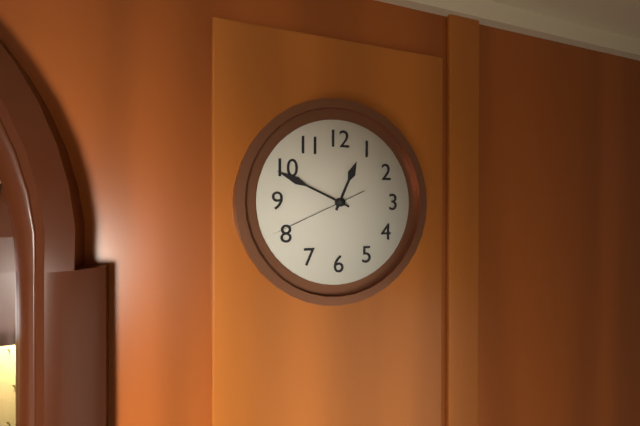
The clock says 12h49m41s
